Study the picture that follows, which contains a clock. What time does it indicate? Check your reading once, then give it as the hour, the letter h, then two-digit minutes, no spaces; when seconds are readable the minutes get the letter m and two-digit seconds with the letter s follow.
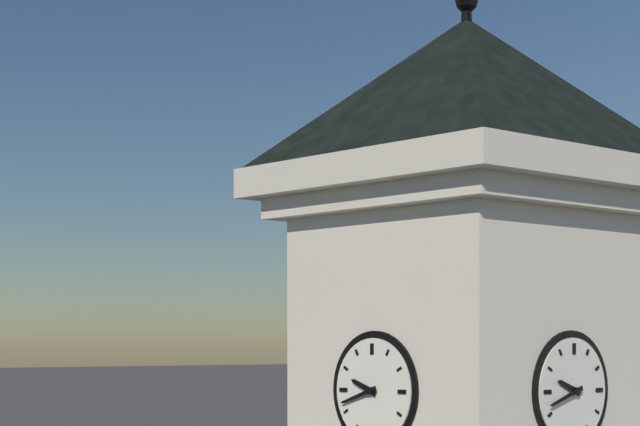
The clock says 9h42
